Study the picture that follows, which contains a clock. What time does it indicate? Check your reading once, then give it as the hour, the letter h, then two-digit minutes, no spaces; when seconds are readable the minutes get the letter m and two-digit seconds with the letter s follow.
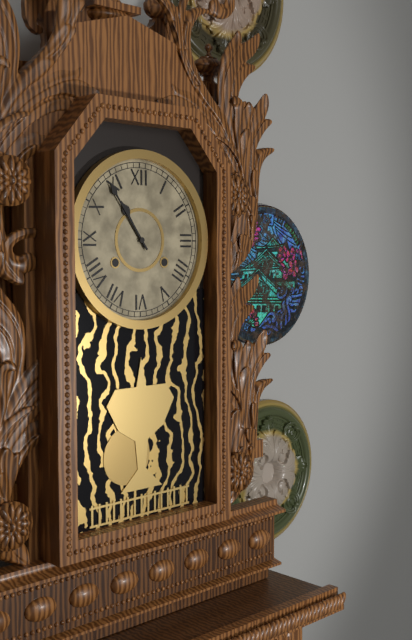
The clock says 10h54
